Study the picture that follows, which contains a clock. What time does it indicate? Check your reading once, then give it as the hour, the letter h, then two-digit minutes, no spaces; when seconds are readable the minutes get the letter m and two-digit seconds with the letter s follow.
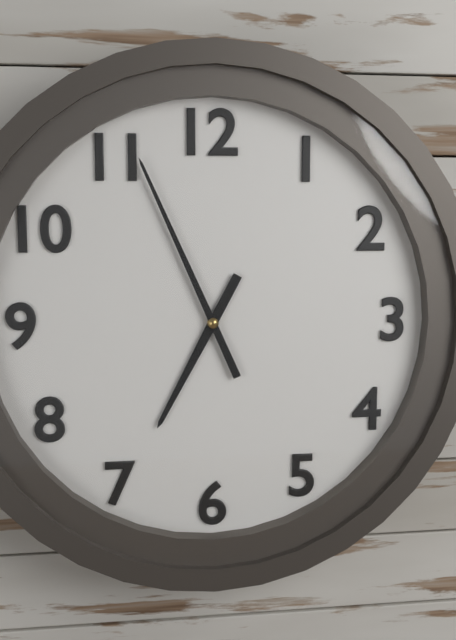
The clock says 6h56
